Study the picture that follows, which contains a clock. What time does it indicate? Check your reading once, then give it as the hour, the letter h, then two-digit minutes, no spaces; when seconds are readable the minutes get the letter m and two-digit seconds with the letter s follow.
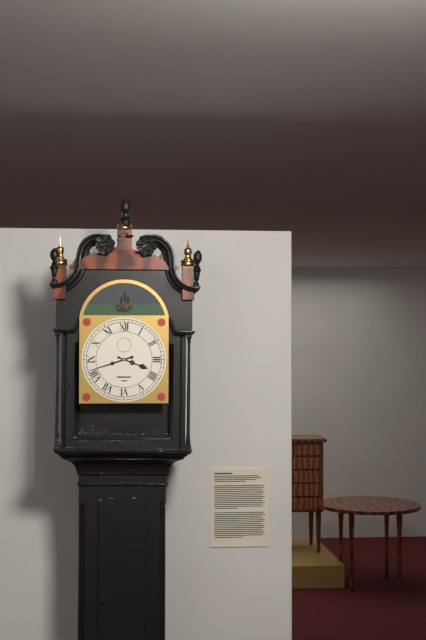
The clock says 3h42
